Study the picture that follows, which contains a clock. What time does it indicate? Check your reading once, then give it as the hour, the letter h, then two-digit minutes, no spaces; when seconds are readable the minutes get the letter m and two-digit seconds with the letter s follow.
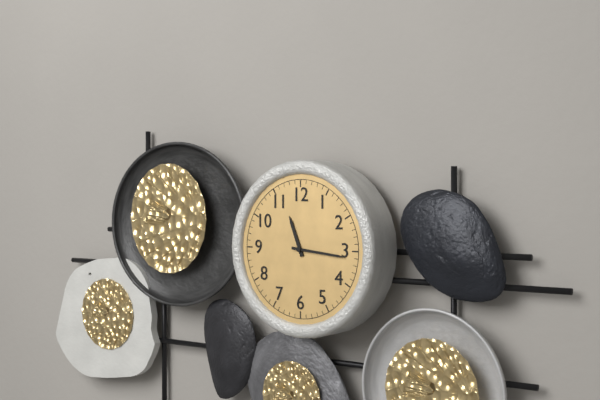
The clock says 11h16
